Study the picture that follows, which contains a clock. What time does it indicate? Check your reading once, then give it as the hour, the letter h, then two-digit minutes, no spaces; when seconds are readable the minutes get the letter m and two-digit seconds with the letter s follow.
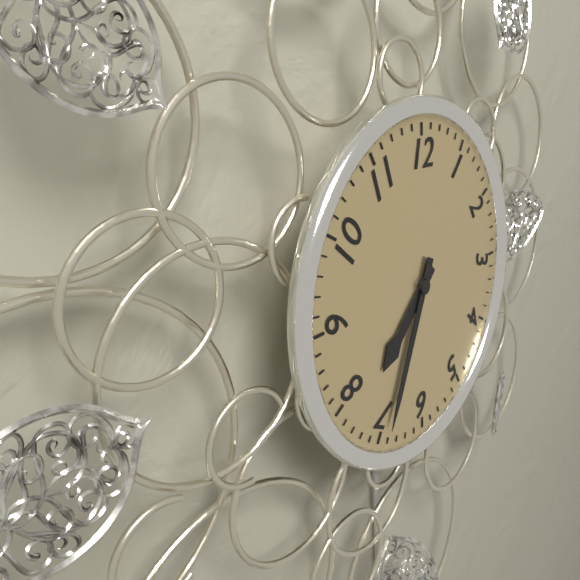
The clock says 7h34
